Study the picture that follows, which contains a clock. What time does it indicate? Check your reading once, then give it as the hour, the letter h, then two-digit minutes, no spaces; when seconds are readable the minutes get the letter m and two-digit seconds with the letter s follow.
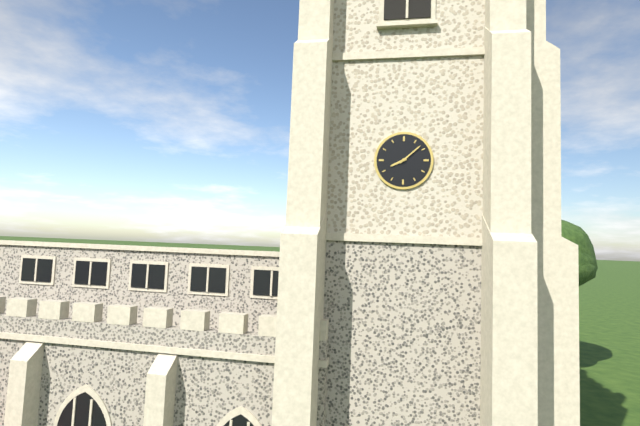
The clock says 8h08
